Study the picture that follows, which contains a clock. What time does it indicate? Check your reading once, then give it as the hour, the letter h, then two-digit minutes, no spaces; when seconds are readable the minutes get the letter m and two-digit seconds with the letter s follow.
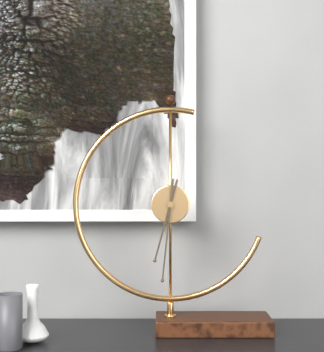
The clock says 6h31
